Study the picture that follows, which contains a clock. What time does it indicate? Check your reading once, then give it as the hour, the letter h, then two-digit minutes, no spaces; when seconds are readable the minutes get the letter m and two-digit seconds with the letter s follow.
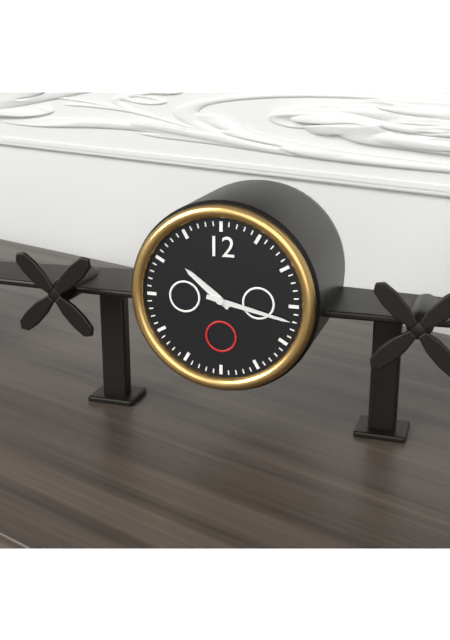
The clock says 10h17
